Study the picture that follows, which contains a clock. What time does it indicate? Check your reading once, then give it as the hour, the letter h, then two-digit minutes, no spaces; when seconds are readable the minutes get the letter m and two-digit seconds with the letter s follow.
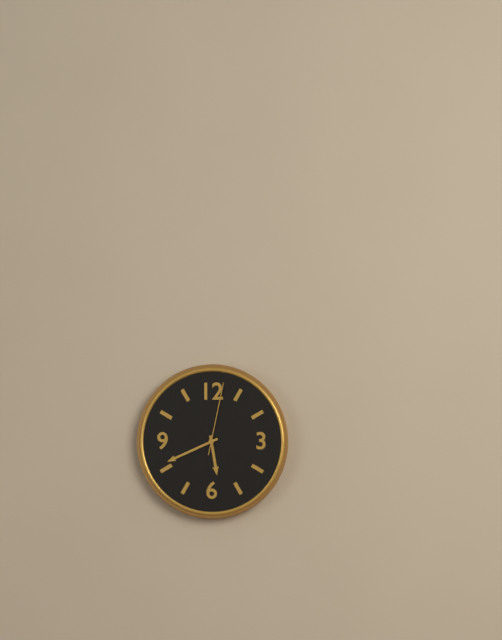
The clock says 5h41m02s
